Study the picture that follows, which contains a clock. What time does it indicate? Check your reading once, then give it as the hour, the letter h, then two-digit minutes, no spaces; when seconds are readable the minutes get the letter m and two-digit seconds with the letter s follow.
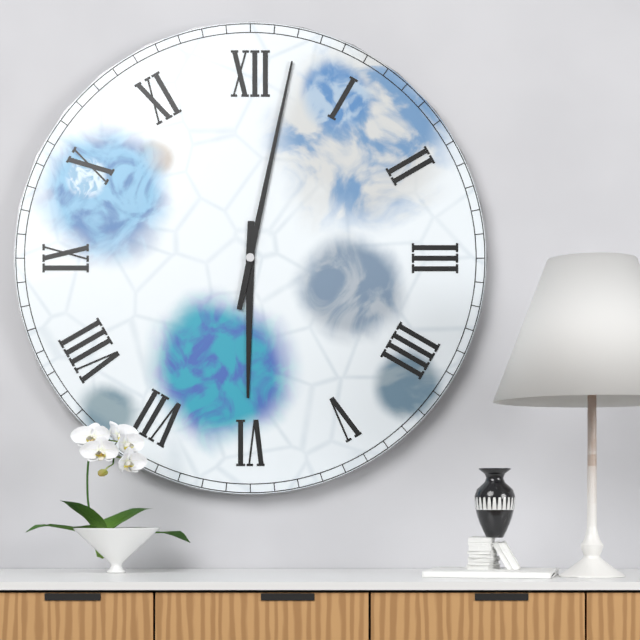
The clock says 6h02
